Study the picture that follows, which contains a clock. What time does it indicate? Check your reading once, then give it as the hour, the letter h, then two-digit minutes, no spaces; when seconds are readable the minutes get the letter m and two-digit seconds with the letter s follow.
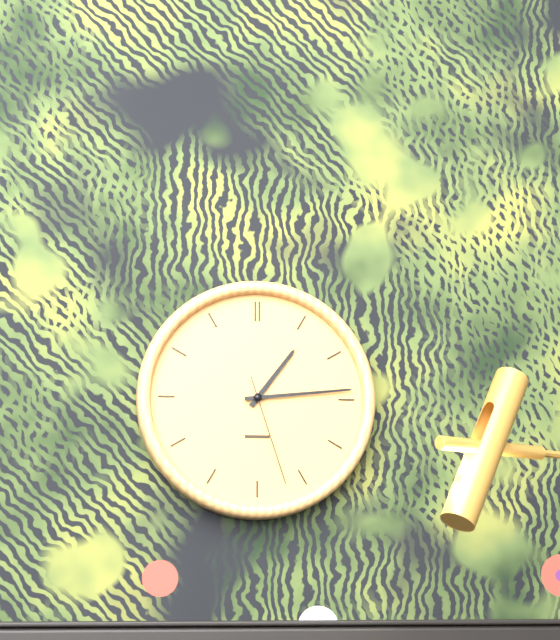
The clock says 1h14m27s
